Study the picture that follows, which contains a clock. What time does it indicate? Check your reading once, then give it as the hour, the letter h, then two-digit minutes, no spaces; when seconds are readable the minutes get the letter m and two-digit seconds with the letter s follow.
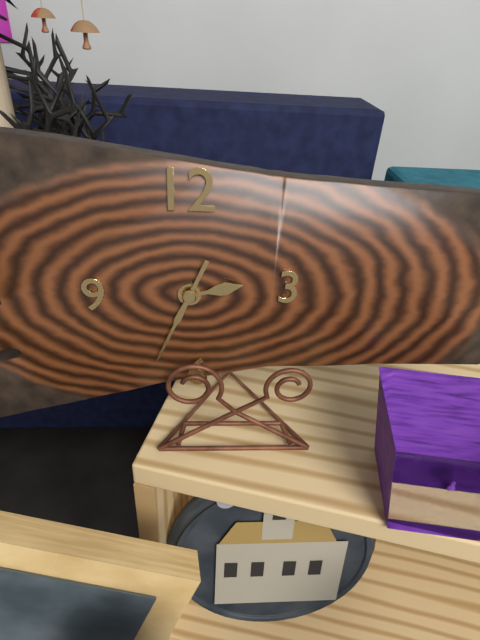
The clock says 2h34
